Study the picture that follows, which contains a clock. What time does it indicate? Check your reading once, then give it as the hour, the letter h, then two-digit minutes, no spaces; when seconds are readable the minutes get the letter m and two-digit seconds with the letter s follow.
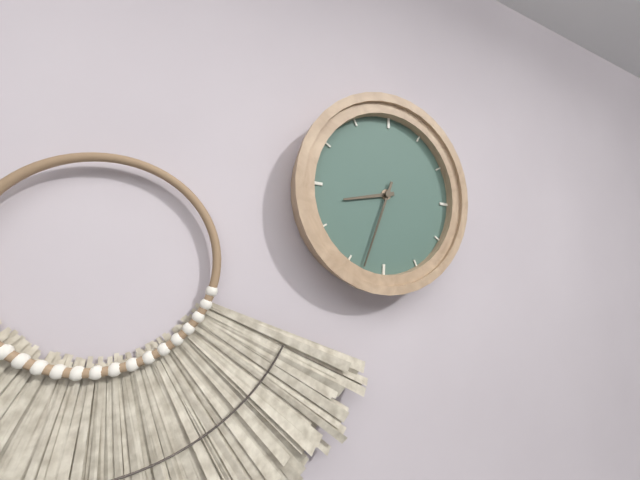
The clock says 8h33
